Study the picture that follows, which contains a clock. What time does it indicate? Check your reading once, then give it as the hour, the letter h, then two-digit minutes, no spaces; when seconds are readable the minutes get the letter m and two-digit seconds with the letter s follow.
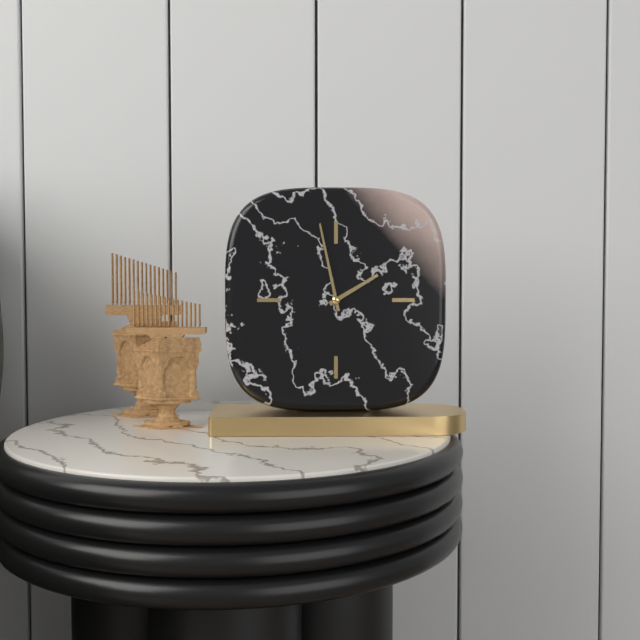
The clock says 1h58
